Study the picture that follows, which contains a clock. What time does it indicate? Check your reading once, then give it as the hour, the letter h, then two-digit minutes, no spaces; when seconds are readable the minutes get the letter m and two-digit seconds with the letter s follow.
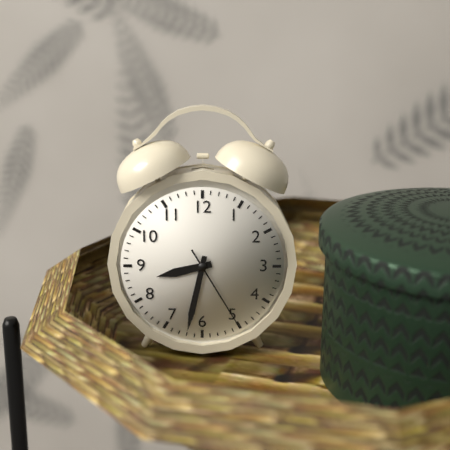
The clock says 8h32m25s
